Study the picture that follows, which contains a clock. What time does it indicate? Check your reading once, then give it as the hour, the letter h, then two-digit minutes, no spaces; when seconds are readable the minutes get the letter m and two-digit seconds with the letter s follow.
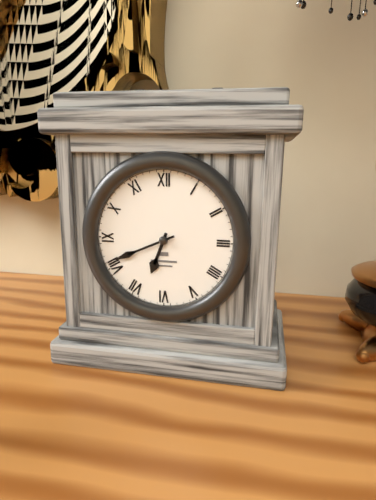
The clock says 6h41
